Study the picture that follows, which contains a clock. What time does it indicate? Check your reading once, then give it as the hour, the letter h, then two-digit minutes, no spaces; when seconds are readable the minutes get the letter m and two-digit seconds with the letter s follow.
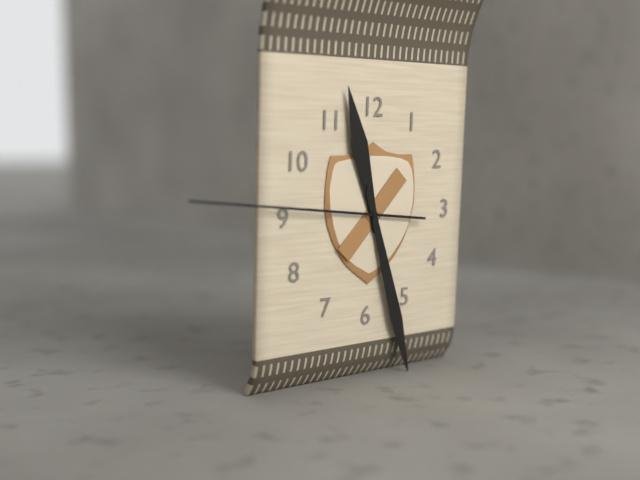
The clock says 11h27m46s
